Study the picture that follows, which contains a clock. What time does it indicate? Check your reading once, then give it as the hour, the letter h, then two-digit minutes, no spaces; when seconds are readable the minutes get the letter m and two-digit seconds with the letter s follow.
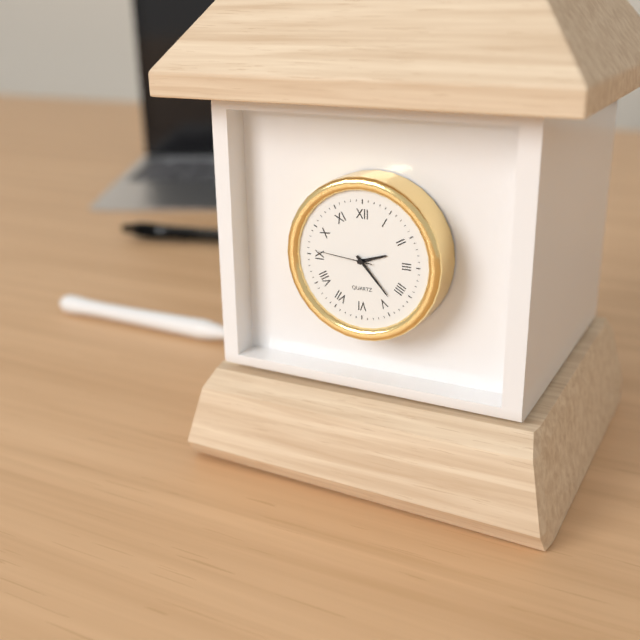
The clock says 2h23m46s
